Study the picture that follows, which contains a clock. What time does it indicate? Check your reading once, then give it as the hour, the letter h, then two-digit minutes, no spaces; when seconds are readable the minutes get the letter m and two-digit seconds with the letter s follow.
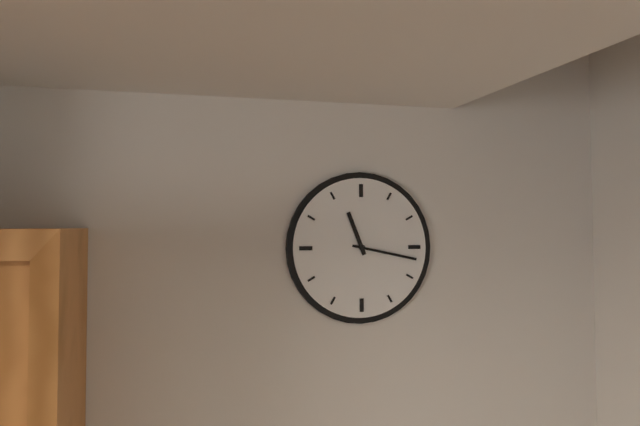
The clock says 11h17
